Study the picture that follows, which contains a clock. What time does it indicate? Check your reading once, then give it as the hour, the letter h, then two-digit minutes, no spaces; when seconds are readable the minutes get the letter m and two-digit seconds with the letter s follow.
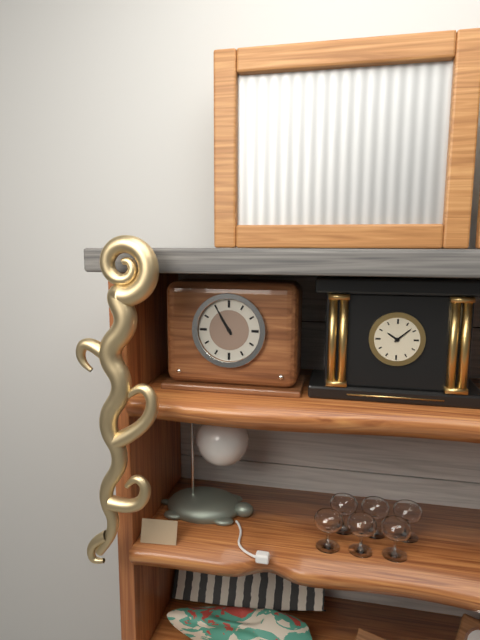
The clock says 10h55
